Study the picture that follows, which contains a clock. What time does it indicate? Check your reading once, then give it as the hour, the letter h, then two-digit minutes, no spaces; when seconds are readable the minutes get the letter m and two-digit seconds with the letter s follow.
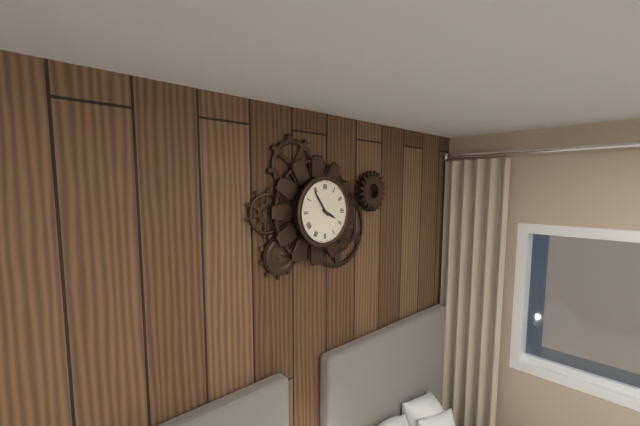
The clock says 3h54
